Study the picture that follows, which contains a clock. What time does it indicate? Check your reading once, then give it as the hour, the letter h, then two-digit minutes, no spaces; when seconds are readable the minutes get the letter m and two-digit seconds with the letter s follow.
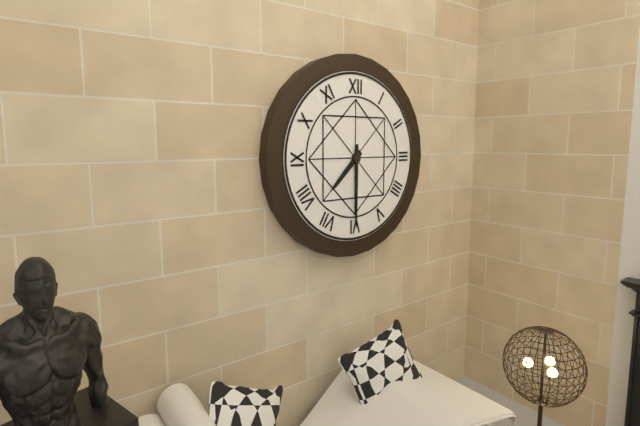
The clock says 7h30
